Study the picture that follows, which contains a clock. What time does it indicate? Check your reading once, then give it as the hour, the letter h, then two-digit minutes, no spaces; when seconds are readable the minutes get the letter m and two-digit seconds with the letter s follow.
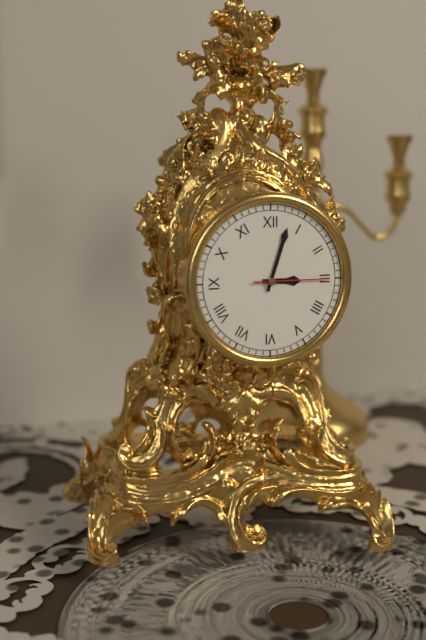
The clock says 3h03m15s
